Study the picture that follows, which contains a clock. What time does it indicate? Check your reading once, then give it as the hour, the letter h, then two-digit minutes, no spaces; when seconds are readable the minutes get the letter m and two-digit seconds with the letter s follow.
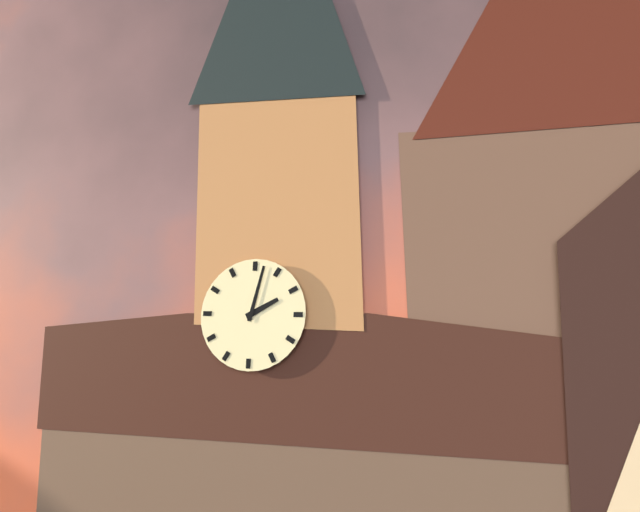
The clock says 2h02
